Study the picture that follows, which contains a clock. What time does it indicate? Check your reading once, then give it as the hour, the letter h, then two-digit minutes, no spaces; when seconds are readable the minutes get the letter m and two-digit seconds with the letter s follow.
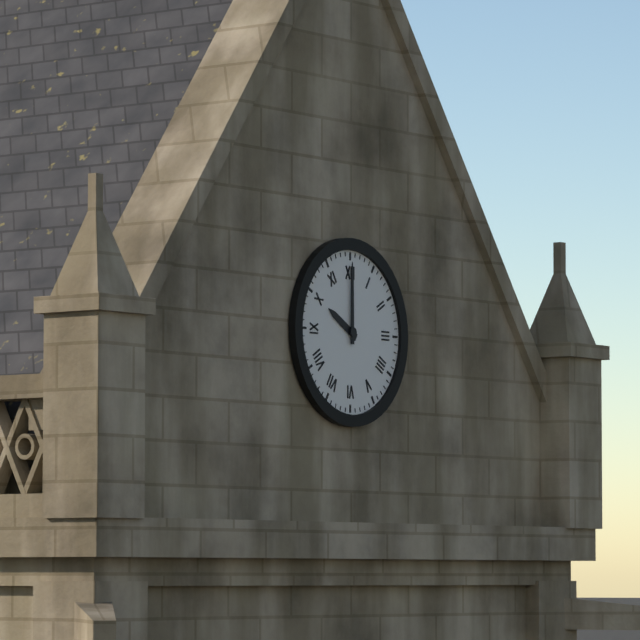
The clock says 10h00
